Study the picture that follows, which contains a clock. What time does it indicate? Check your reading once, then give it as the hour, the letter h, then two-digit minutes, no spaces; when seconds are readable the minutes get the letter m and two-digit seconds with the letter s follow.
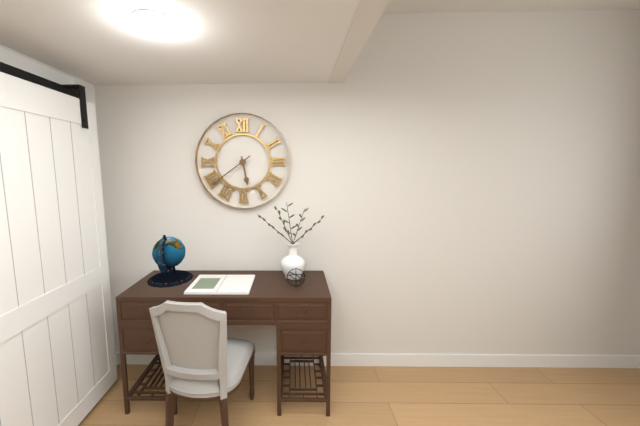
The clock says 5h39
